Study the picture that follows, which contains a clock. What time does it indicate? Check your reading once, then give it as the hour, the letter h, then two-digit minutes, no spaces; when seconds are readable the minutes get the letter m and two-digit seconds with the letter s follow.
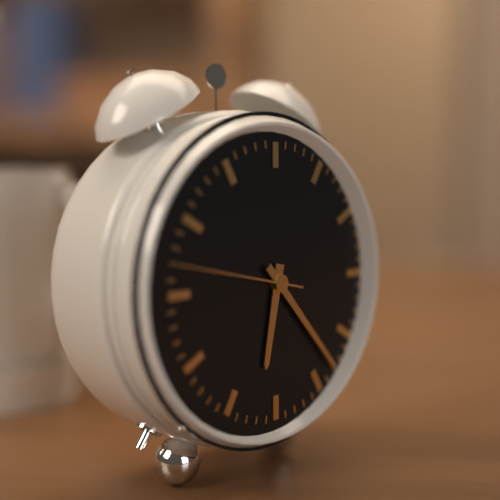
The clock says 6h23m47s
